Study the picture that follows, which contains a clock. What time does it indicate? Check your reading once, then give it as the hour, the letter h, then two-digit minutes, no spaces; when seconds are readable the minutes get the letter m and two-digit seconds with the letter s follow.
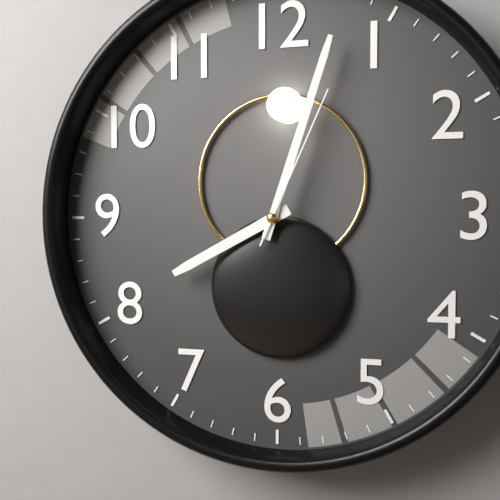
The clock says 8h03m04s
